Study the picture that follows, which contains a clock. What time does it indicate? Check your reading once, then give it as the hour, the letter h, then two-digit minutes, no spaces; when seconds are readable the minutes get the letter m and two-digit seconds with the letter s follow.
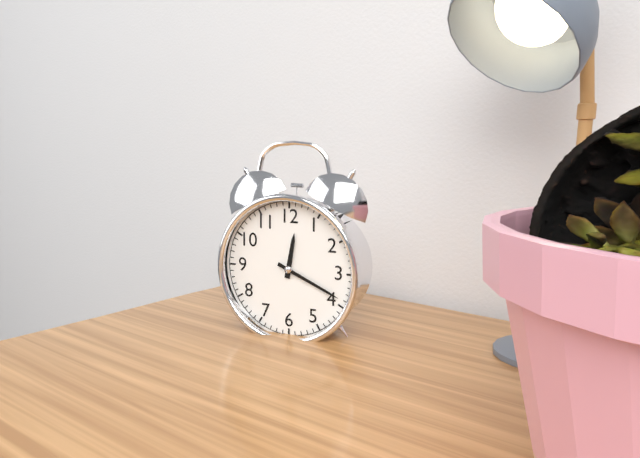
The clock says 12h19
